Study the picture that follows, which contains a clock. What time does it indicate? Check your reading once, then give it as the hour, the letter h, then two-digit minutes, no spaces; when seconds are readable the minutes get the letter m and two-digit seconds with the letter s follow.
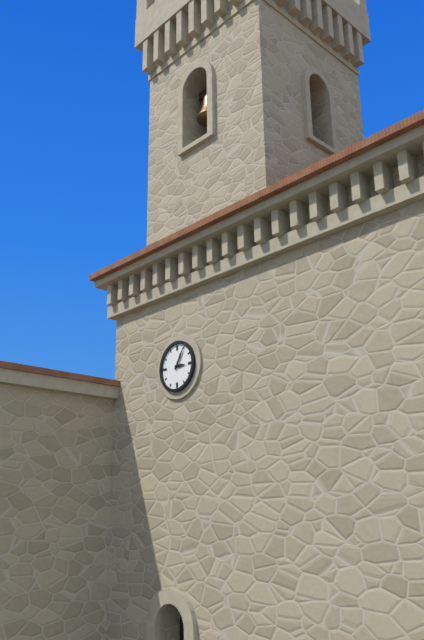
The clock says 3h05
